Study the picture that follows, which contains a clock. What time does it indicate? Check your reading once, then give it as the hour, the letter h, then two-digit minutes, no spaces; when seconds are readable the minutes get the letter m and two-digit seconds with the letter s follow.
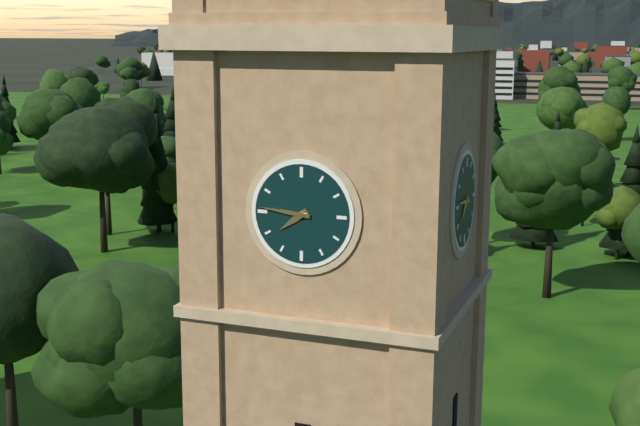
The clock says 7h46
